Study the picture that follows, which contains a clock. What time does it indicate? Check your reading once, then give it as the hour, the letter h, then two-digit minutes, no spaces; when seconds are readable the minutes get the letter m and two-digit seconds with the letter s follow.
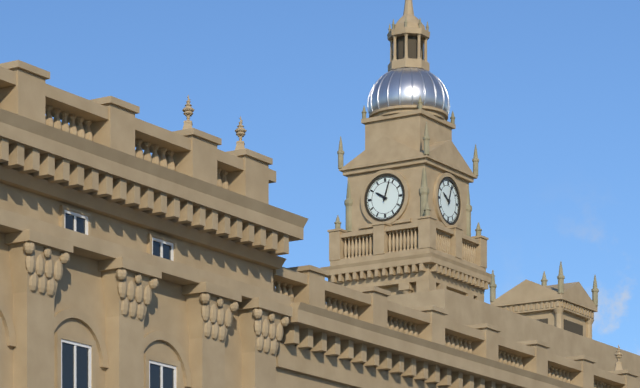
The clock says 10h03
